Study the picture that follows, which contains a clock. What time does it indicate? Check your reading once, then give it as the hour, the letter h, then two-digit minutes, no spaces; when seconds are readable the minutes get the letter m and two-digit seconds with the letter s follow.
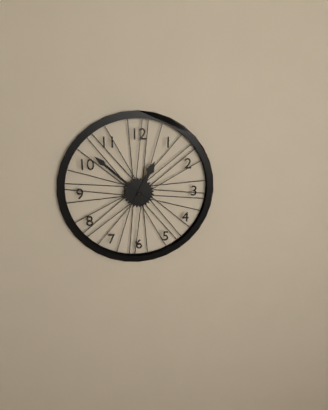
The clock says 12h52
